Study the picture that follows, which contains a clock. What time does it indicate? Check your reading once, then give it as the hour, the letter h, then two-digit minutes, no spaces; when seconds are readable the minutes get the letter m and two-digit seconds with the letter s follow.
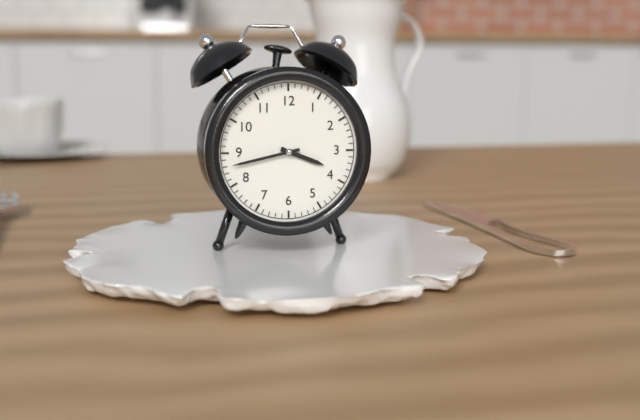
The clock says 3h43
